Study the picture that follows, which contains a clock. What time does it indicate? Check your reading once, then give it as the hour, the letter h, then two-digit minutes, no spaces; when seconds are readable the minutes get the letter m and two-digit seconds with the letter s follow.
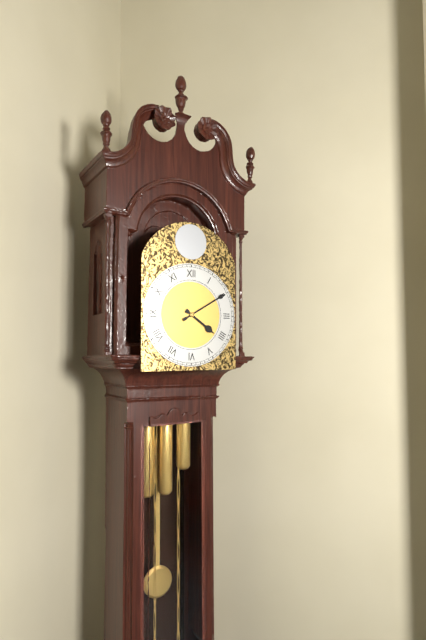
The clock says 4h10
